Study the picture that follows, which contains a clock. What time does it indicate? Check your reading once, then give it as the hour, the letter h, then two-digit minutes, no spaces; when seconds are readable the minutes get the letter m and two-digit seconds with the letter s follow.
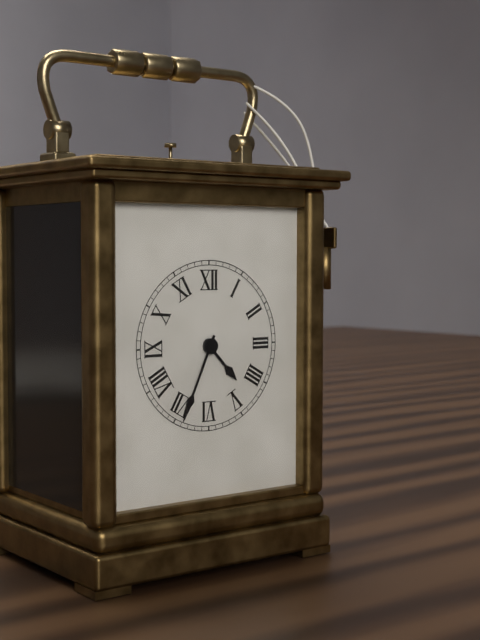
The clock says 4h34
